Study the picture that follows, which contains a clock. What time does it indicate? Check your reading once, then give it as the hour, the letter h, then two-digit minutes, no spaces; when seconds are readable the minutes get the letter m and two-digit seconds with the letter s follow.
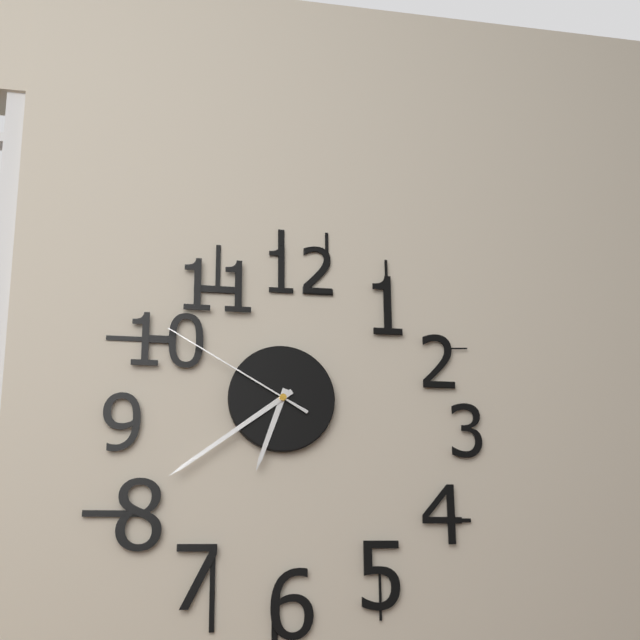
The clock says 6h39m50s
